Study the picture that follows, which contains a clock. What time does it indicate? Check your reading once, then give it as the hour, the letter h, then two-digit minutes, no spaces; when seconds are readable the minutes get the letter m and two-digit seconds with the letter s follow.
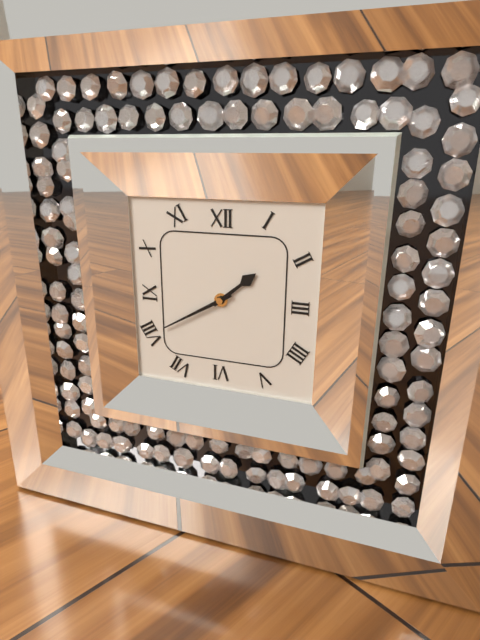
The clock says 1h40
